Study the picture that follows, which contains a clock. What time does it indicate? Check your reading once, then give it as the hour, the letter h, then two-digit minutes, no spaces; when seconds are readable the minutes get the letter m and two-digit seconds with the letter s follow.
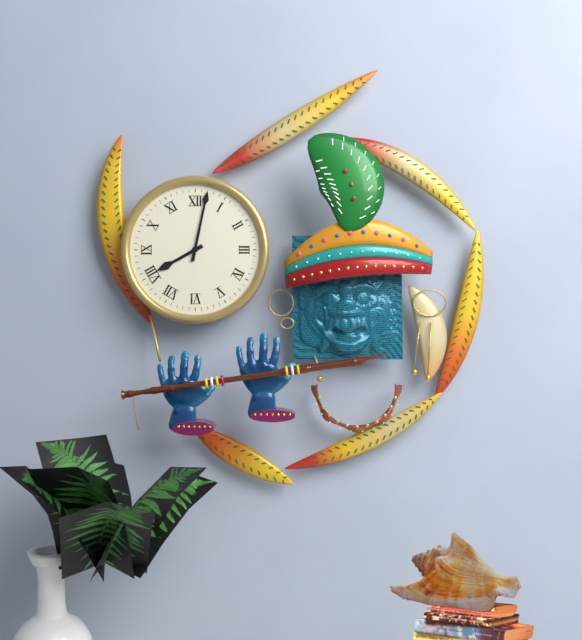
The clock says 8h02
